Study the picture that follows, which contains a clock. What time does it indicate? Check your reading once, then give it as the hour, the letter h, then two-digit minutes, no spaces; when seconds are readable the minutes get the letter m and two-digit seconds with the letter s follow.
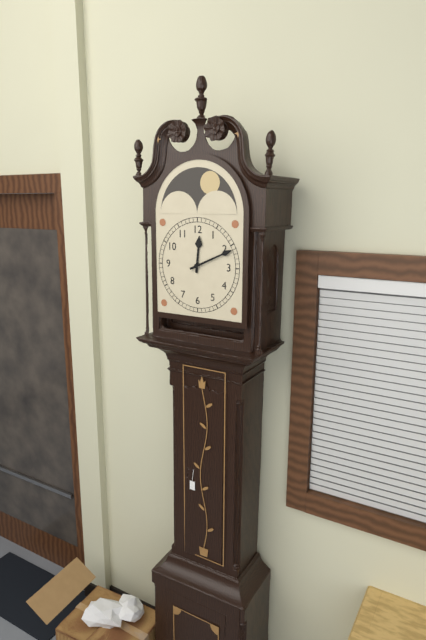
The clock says 12h11
